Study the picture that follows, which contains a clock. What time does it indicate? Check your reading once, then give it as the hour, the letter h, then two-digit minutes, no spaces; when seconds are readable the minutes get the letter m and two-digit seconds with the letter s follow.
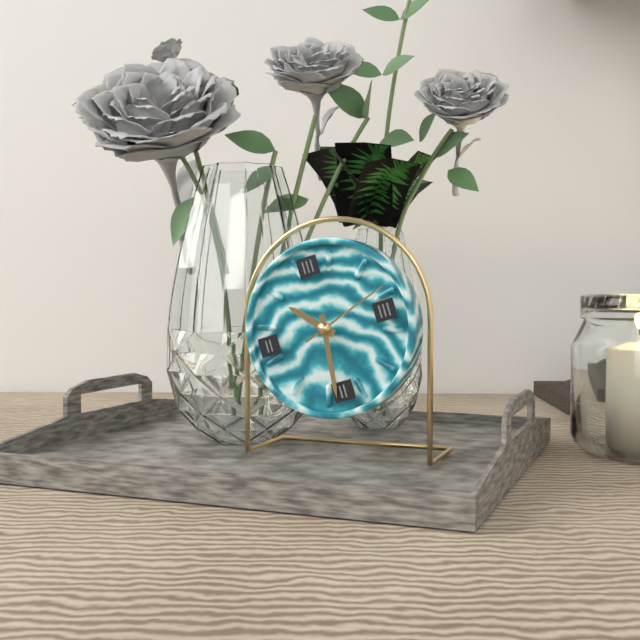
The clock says 10h31m12s
